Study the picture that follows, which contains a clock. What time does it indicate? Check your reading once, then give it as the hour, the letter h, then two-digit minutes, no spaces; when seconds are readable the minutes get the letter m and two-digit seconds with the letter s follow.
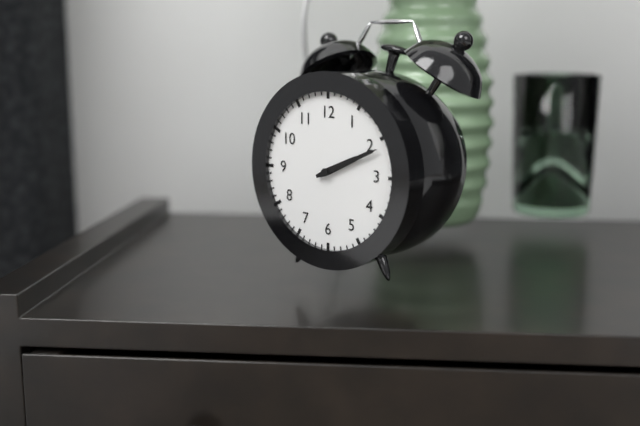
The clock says 2h11
